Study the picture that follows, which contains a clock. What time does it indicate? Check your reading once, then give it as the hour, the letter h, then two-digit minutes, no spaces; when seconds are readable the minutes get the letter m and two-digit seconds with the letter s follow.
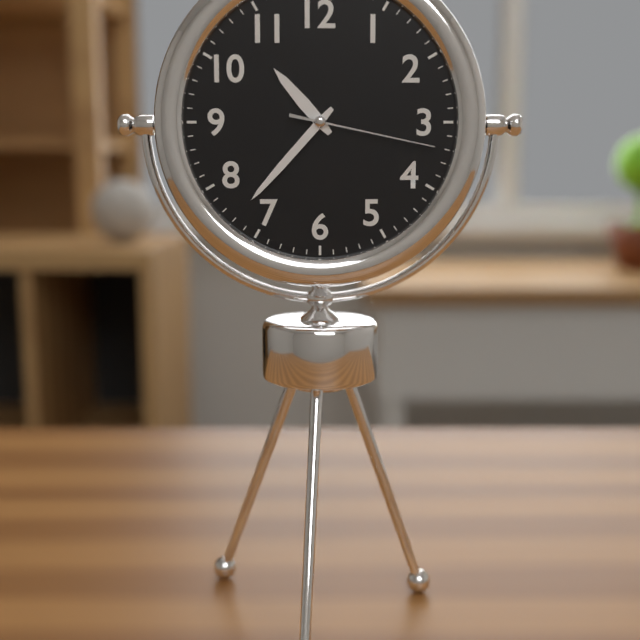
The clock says 10h37m17s
